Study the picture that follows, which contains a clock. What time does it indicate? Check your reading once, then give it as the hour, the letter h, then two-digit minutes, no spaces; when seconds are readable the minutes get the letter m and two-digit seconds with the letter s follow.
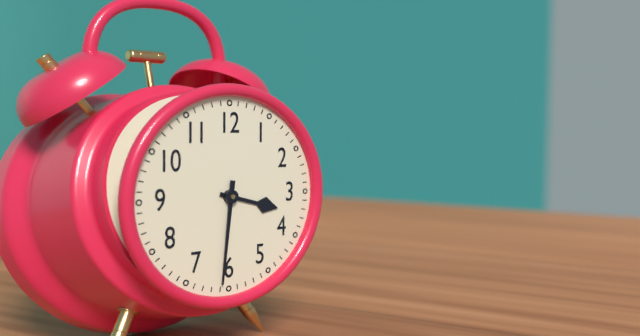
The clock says 3h31
